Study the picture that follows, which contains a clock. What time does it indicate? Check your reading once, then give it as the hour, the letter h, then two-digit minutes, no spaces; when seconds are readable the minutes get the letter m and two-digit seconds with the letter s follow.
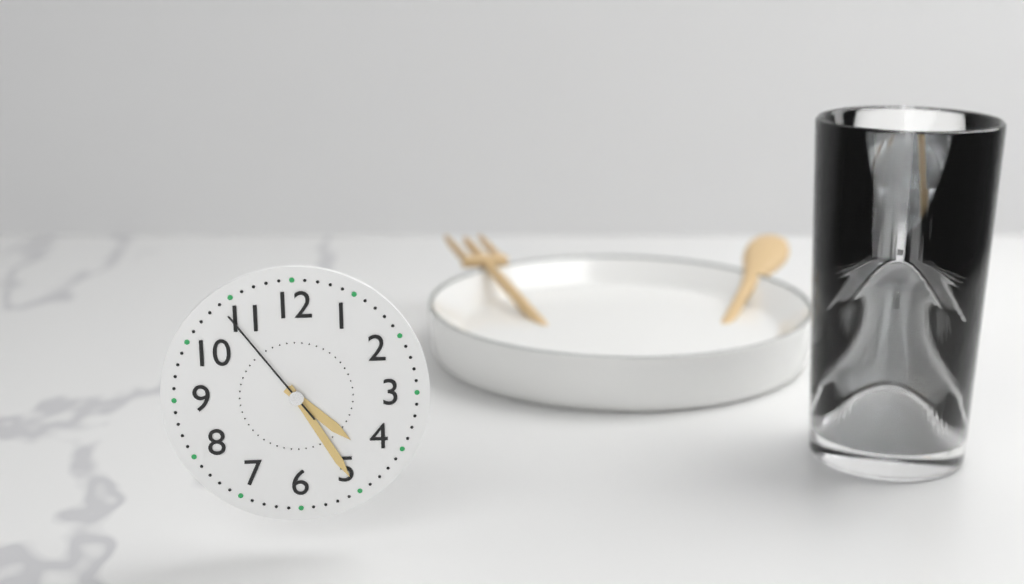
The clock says 4h25m54s
